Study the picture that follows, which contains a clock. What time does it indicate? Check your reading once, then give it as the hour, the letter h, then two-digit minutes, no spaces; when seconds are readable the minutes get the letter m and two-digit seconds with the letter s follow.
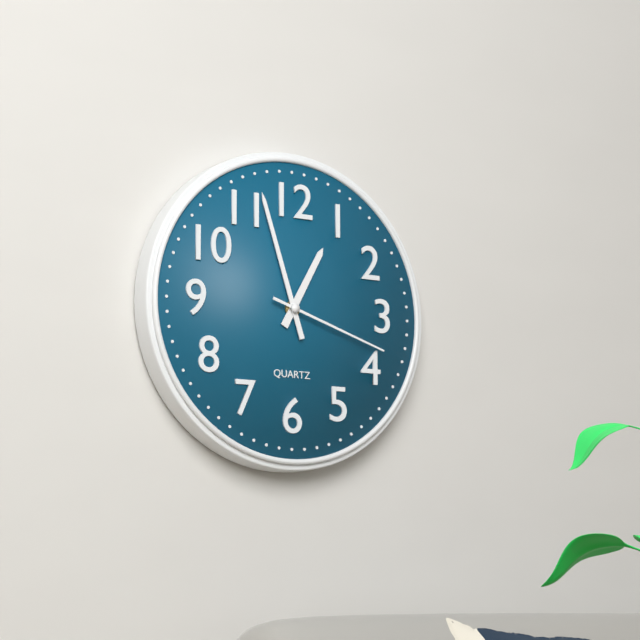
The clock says 12h57m18s
